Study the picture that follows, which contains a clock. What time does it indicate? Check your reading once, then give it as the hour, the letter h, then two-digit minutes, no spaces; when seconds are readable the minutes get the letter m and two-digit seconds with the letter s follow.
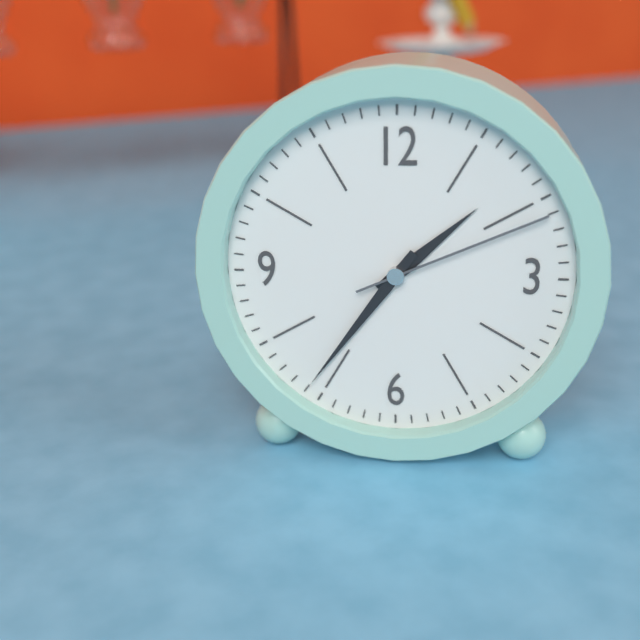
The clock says 1h36m11s
